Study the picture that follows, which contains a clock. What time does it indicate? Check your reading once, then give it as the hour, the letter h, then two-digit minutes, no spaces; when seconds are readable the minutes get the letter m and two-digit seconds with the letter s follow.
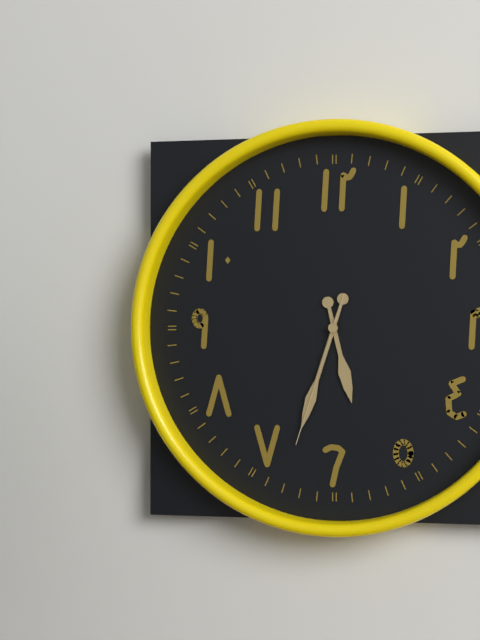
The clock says 5h33m33s
